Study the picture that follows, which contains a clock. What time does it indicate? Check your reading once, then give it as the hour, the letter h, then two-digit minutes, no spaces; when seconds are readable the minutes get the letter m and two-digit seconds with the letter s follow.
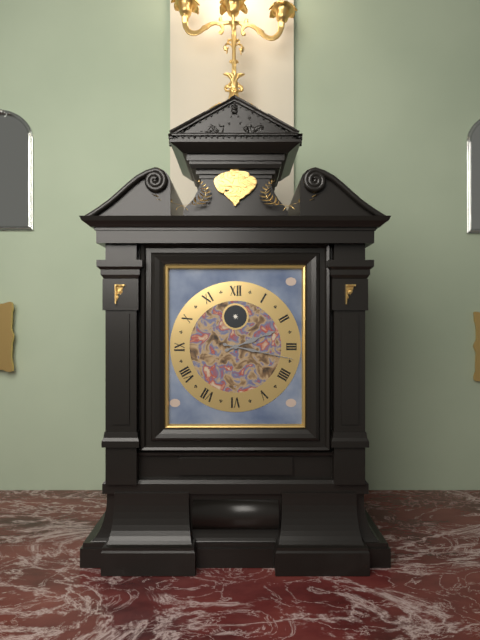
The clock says 2h17
